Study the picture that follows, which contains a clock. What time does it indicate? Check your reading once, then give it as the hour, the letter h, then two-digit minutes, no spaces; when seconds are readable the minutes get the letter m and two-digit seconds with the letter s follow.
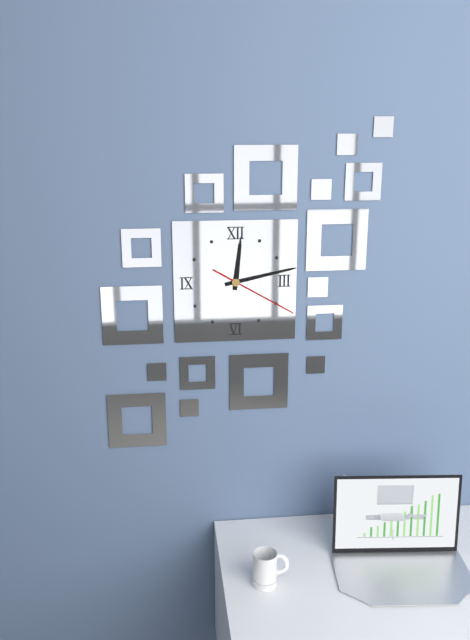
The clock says 12h13m20s
